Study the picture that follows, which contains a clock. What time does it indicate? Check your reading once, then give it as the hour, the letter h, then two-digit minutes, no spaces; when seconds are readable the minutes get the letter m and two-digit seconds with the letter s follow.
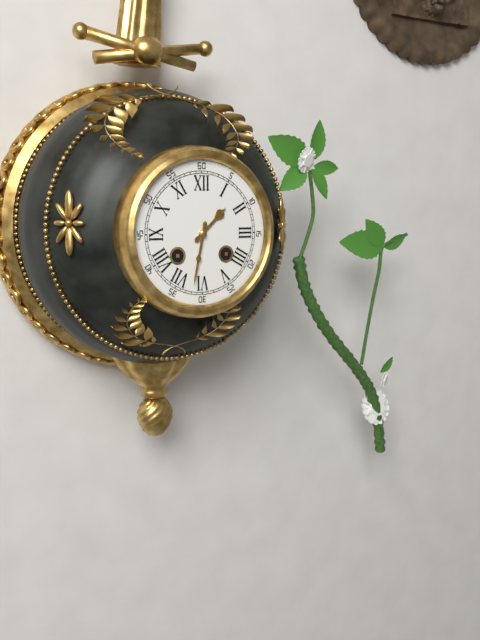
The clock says 1h32
